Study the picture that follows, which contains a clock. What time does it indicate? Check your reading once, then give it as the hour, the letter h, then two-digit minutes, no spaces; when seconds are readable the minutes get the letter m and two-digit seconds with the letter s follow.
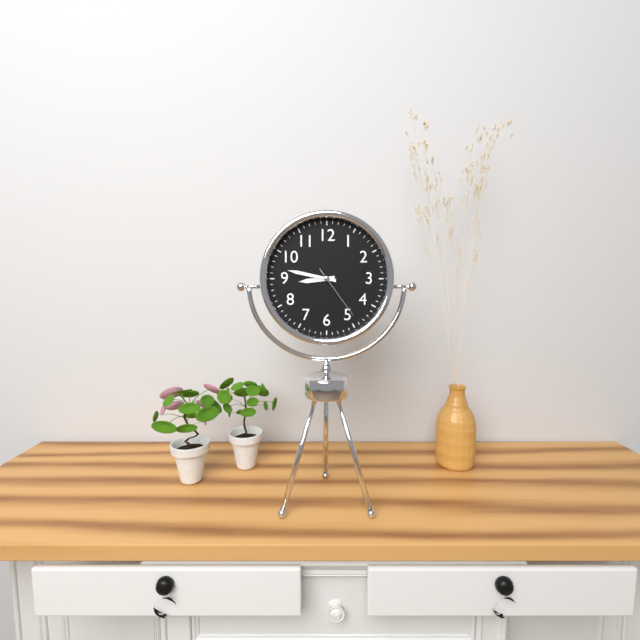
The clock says 8h47m24s
